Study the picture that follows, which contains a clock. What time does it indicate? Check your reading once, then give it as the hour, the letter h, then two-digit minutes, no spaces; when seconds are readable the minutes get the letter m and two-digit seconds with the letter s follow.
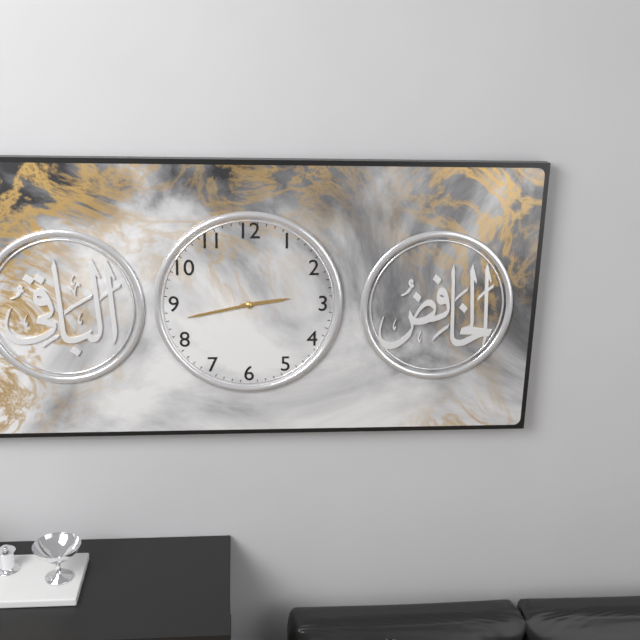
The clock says 2h43
